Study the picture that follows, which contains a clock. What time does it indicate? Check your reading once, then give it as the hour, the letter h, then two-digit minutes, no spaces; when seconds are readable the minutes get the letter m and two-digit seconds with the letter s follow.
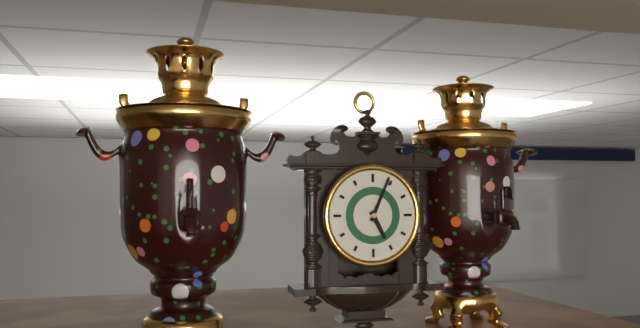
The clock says 5h04
